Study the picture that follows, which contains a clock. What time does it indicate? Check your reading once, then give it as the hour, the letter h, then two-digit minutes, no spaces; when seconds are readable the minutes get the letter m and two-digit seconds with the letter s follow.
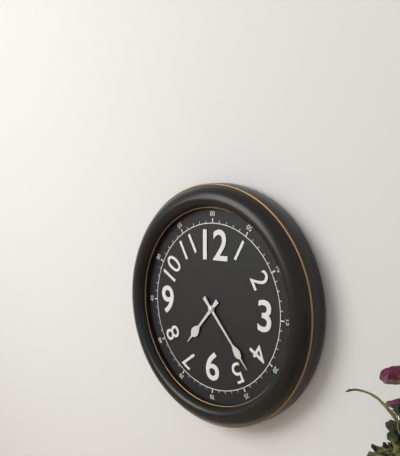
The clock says 7h23
